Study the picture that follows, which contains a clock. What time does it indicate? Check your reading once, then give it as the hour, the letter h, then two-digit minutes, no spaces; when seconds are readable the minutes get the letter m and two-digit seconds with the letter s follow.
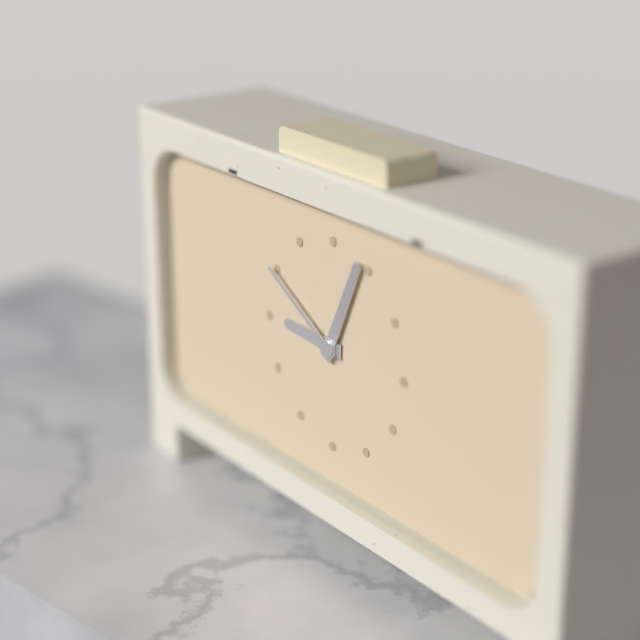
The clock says 9h04m50s
